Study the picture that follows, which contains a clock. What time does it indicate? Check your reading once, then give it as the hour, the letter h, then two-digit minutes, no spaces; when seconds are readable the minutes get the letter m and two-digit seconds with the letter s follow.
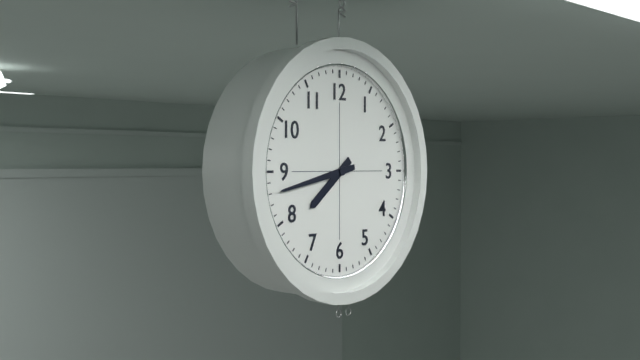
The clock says 7h43
